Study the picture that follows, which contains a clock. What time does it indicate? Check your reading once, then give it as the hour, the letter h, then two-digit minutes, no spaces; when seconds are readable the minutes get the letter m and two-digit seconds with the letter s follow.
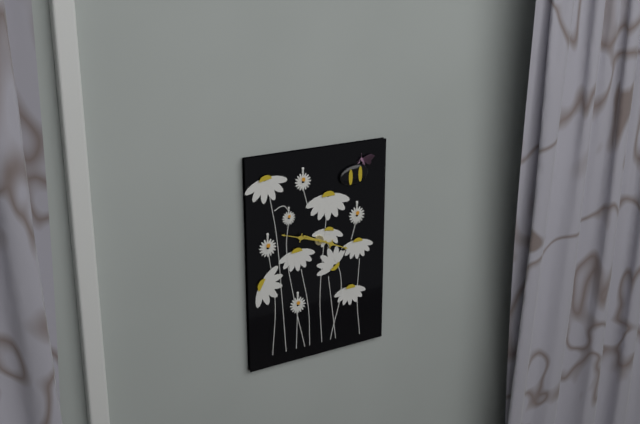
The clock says 3h48
